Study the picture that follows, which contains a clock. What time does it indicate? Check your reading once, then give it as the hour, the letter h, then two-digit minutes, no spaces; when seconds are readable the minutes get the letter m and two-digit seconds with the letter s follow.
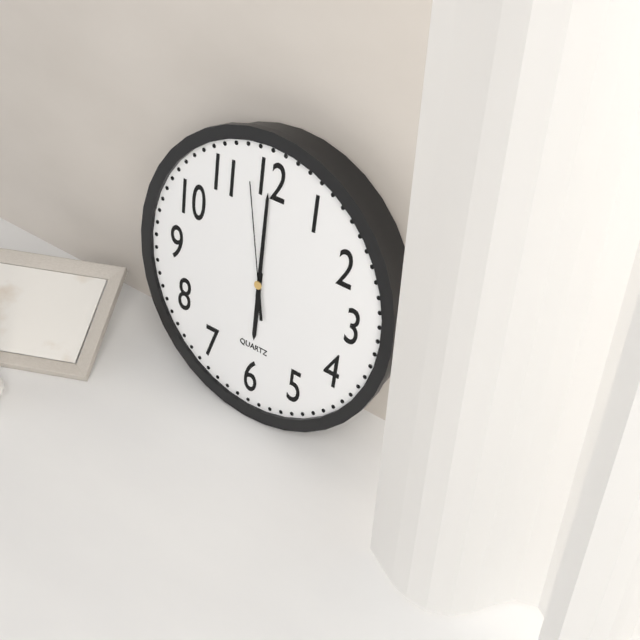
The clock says 6h00m58s
